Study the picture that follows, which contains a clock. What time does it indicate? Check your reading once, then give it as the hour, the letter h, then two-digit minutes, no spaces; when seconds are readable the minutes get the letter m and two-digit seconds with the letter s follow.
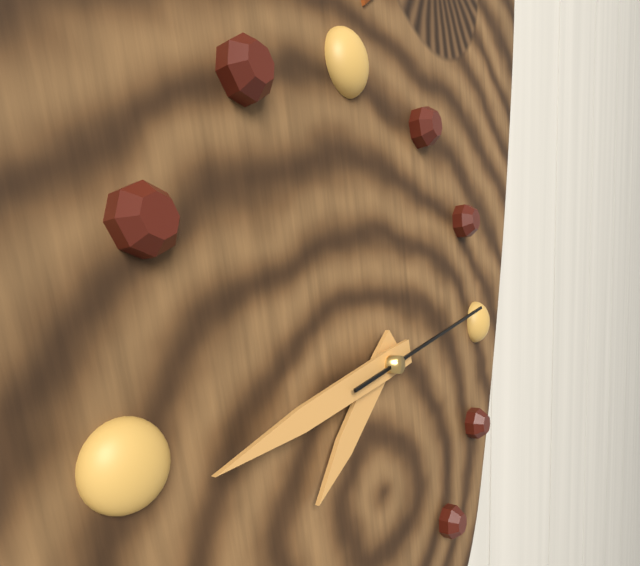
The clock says 7h44m14s
